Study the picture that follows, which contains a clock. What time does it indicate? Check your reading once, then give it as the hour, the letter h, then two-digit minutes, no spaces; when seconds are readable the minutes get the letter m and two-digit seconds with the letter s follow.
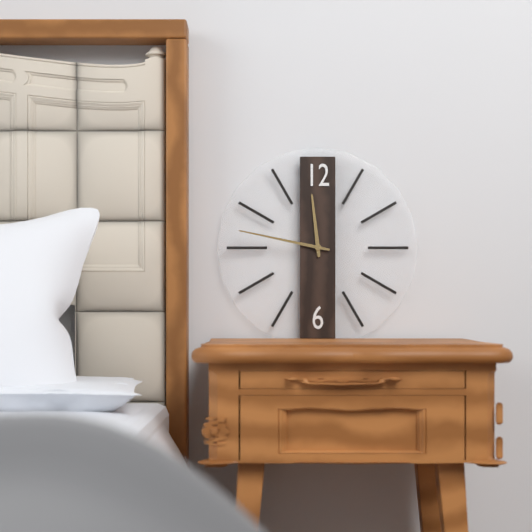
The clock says 11h47
